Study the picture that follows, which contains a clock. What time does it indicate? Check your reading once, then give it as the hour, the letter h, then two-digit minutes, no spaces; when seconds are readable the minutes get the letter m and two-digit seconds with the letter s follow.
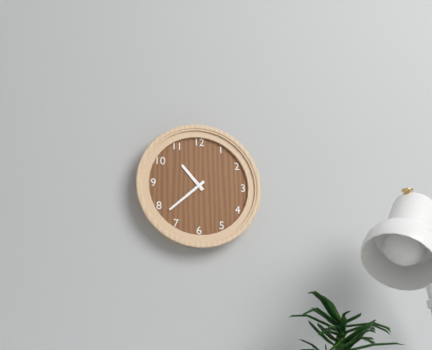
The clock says 10h38
